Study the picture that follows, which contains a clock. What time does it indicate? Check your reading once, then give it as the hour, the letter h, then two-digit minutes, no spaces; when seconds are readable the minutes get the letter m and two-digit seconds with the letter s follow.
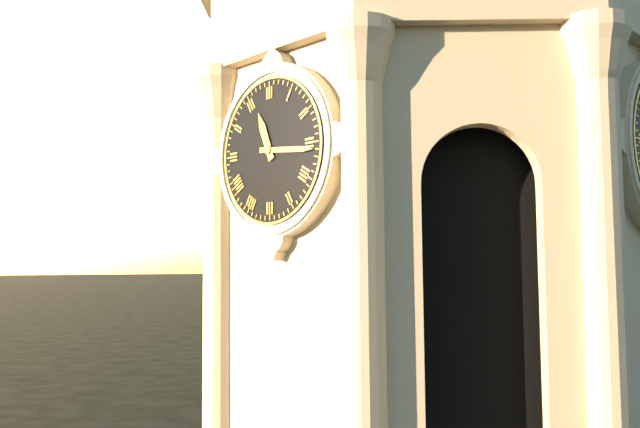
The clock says 11h16
